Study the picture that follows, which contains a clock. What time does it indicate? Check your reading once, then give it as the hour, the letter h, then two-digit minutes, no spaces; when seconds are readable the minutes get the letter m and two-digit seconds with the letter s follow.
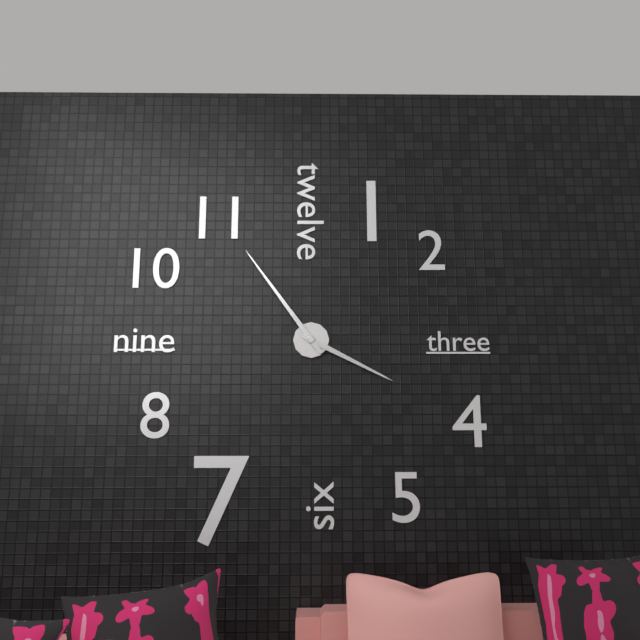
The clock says 3h54
